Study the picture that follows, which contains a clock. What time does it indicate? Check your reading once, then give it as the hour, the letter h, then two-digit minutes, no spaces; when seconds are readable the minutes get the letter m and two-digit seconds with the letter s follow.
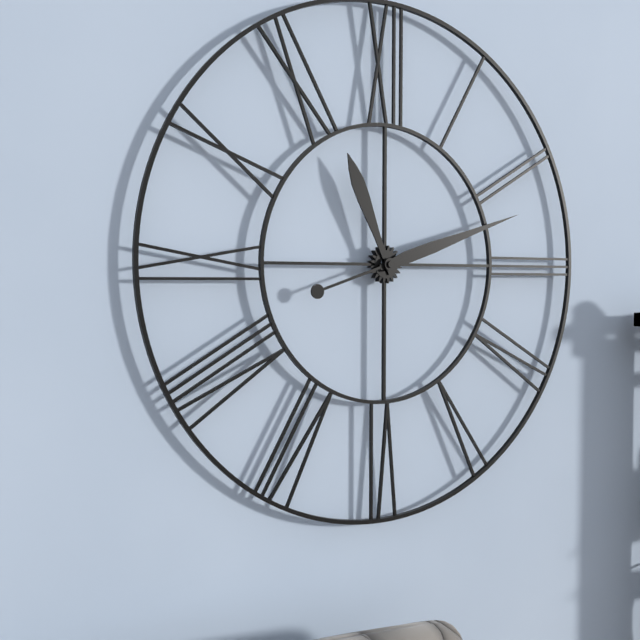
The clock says 11h12
